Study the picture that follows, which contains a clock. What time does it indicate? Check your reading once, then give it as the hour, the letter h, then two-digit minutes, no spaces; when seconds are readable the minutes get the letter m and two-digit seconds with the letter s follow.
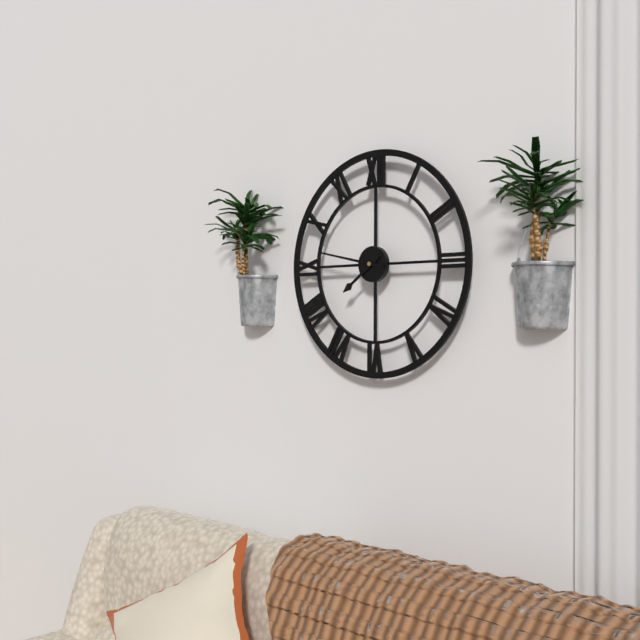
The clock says 7h47
